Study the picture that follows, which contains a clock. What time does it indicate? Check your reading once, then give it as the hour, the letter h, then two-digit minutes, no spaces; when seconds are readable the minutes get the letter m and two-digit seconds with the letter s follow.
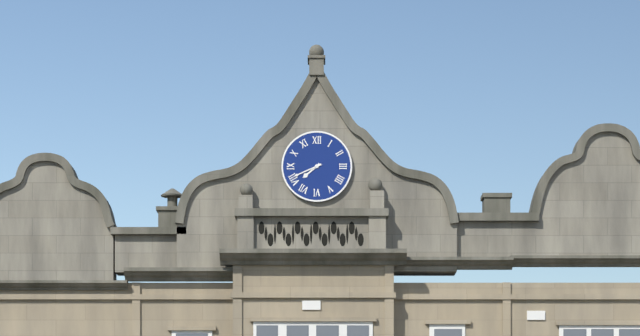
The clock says 7h41
